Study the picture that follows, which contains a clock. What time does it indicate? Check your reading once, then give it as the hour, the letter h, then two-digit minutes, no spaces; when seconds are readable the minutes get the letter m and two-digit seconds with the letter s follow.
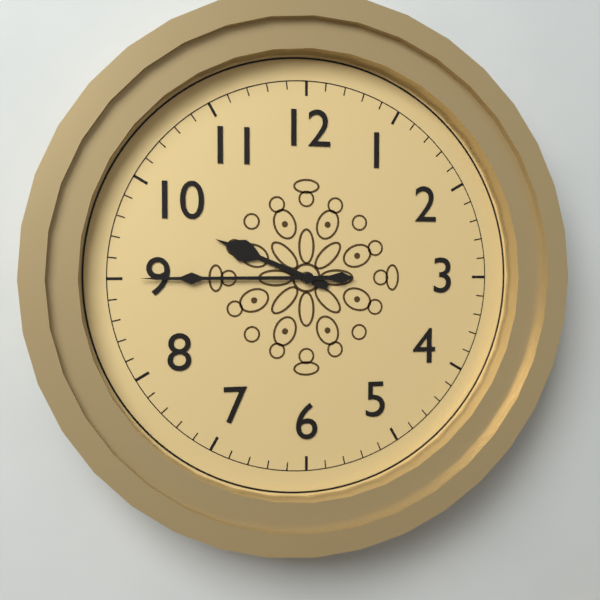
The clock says 9h45
